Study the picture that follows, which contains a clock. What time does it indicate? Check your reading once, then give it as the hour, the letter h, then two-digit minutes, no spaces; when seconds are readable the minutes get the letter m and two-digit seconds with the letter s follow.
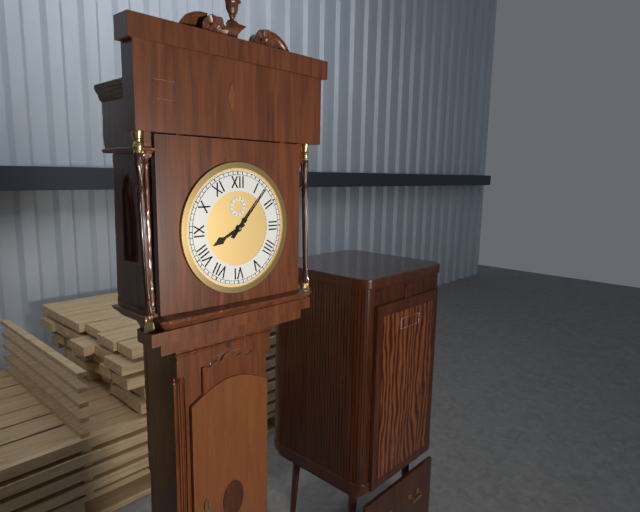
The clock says 8h07
